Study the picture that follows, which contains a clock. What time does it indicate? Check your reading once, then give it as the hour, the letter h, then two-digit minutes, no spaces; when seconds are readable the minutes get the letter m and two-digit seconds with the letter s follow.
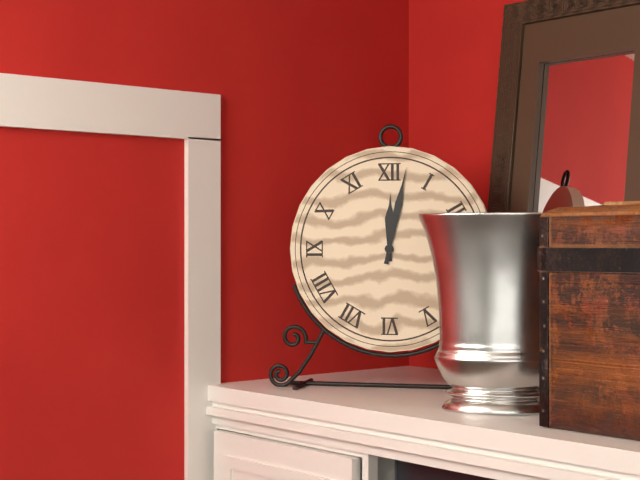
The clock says 12h02
